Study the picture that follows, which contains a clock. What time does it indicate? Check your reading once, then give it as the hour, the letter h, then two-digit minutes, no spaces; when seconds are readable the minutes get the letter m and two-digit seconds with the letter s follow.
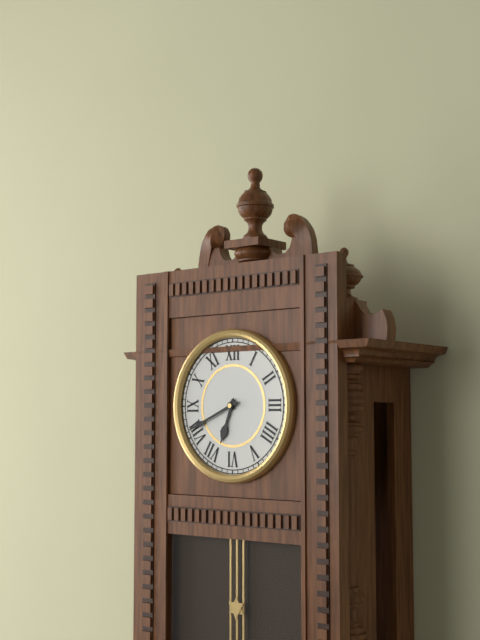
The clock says 6h41
